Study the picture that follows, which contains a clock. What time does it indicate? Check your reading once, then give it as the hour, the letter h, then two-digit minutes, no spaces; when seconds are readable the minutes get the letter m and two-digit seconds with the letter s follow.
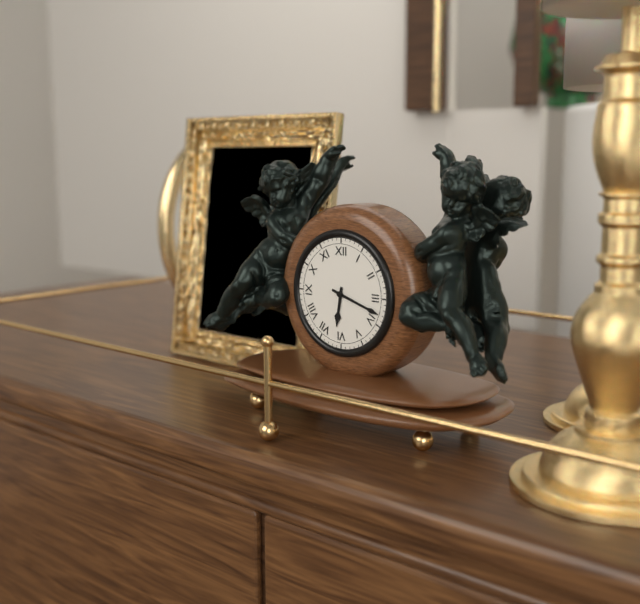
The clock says 6h18
